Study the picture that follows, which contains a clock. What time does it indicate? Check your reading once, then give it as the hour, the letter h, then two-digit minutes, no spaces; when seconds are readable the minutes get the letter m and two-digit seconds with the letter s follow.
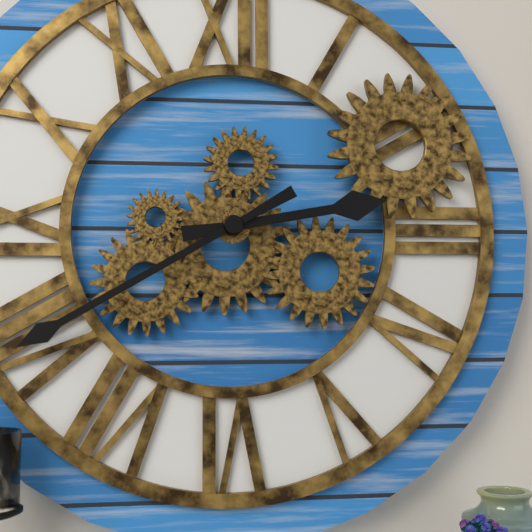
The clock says 2h40
